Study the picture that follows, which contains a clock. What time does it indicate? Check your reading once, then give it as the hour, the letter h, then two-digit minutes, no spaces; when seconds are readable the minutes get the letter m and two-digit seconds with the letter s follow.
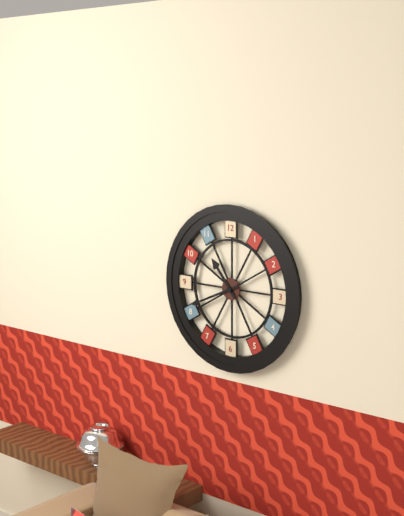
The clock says 10h41
